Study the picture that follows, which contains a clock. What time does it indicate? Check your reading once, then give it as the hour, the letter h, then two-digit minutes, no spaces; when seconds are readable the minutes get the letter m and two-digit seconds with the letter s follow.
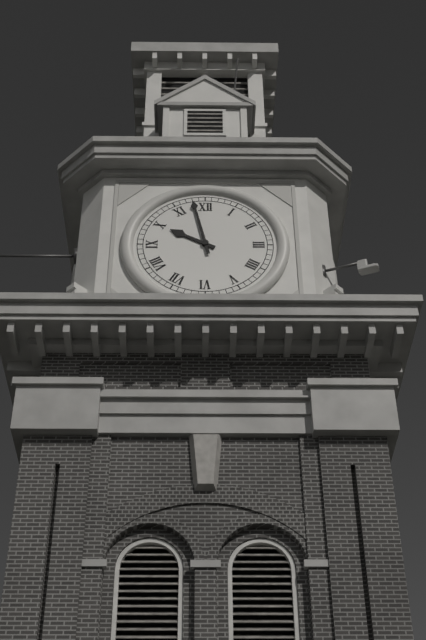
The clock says 9h58
